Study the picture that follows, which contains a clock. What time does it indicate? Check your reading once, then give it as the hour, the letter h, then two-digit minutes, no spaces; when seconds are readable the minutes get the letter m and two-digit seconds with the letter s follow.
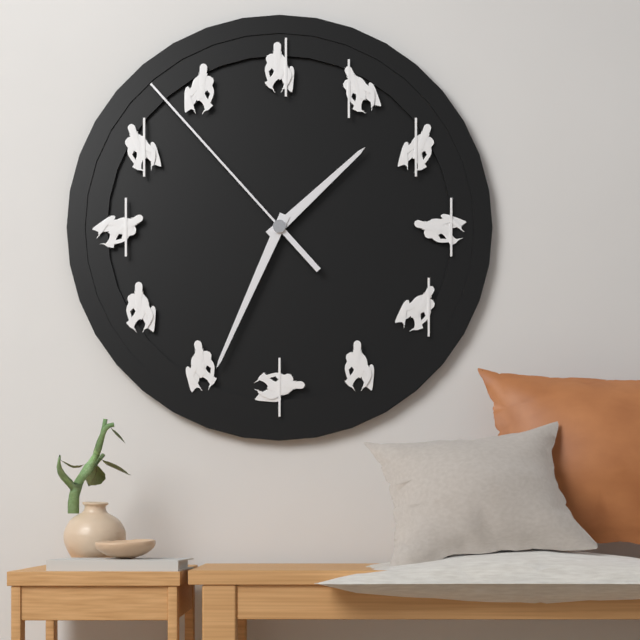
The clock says 1h34m53s
